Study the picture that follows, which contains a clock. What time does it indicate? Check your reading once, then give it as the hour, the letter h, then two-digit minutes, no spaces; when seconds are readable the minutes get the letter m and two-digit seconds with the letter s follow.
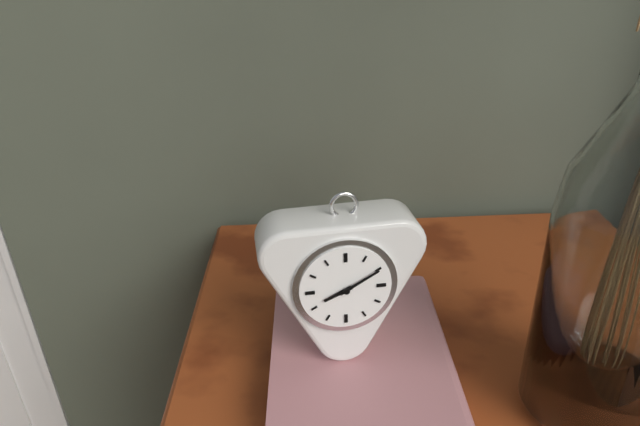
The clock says 8h10
